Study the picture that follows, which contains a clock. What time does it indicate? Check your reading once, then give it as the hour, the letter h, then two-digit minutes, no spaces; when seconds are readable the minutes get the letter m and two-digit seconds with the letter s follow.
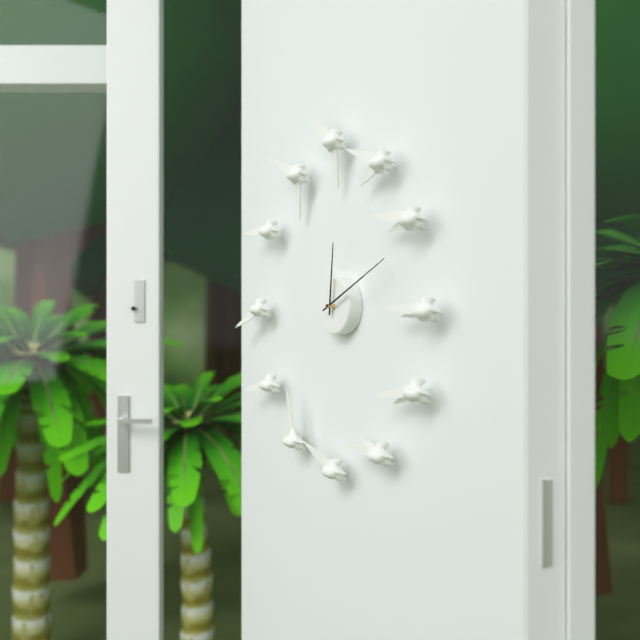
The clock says 12h11
